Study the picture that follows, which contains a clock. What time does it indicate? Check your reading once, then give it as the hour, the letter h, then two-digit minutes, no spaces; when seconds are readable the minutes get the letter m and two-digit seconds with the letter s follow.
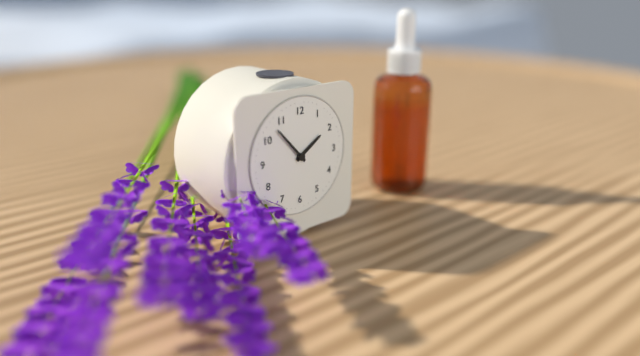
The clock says 1h53
